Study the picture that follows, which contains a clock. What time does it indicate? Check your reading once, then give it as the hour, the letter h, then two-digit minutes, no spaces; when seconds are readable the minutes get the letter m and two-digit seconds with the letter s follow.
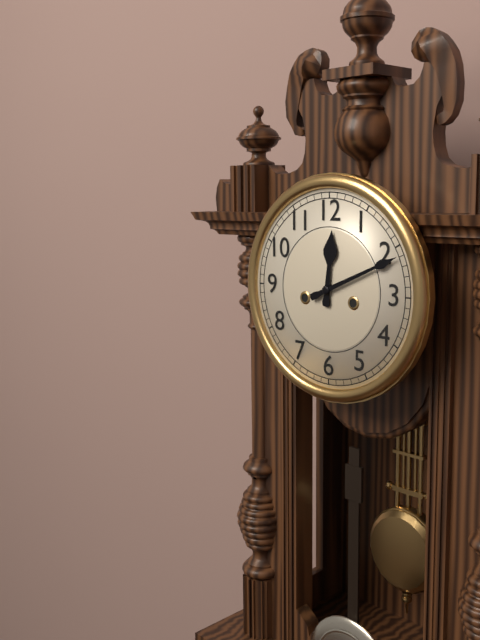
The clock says 12h11
